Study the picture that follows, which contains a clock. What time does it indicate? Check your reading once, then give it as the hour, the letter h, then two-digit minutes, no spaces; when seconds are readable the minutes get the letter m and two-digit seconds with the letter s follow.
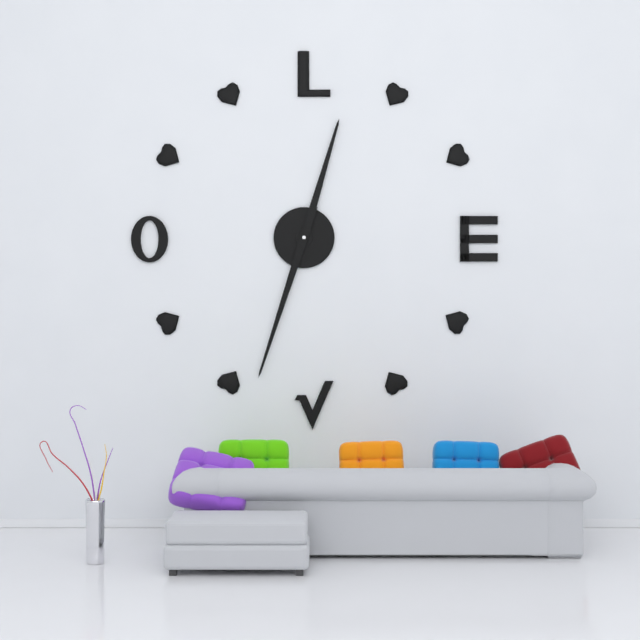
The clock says 12h33
